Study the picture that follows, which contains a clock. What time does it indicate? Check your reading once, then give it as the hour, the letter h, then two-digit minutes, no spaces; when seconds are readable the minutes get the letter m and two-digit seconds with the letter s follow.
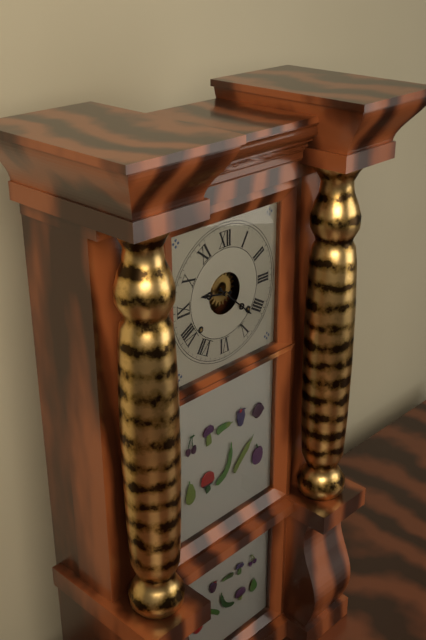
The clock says 9h22
